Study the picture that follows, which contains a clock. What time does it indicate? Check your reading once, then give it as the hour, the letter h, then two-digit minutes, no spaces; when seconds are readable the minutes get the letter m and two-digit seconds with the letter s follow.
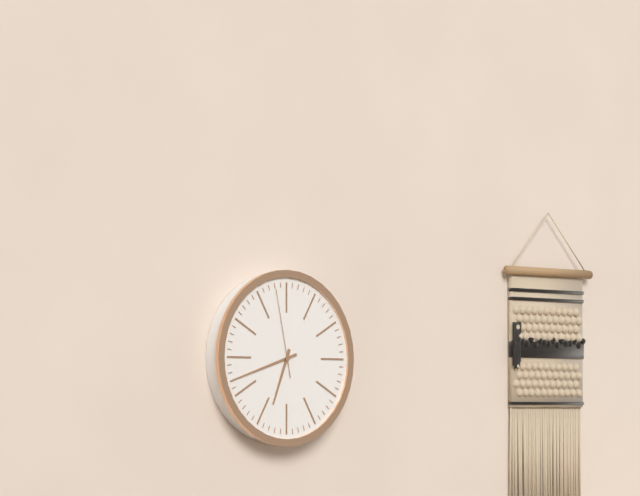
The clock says 6h42m58s
